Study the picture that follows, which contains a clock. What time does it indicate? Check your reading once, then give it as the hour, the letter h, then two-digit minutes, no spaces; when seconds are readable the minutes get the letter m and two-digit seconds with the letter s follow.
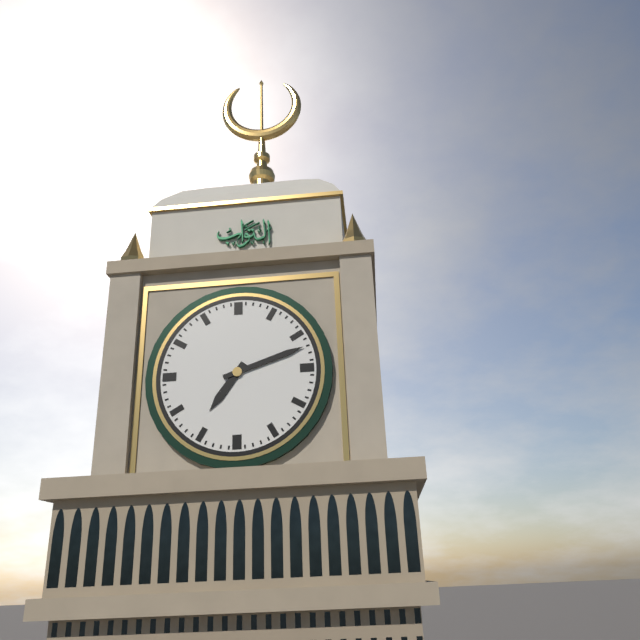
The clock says 7h12
